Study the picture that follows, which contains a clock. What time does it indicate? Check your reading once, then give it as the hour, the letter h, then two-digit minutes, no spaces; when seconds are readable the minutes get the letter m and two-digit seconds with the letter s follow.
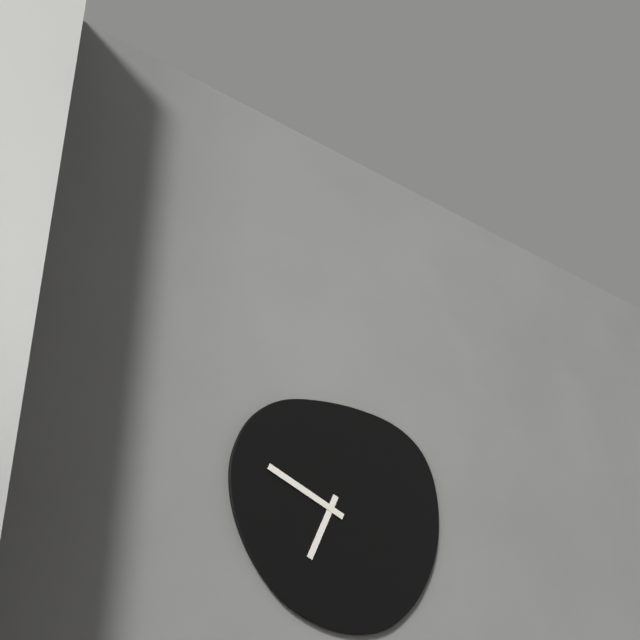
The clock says 6h49
